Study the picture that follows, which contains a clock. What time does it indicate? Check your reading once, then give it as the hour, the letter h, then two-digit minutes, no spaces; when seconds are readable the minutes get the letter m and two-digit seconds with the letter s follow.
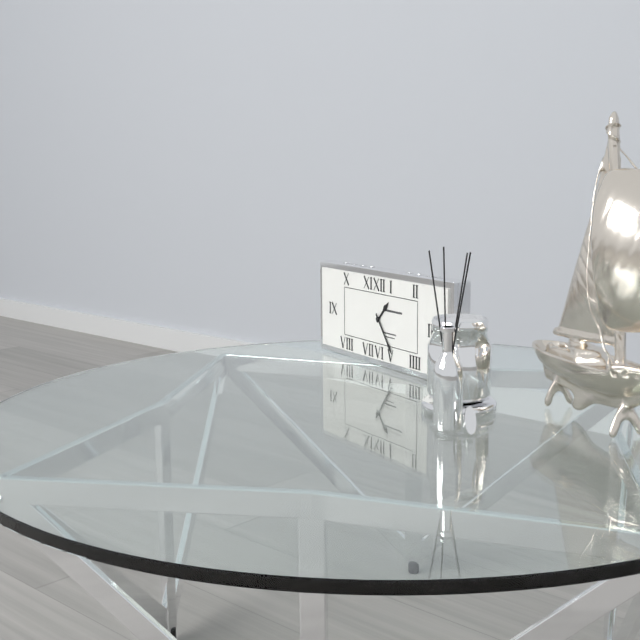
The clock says 1h24
